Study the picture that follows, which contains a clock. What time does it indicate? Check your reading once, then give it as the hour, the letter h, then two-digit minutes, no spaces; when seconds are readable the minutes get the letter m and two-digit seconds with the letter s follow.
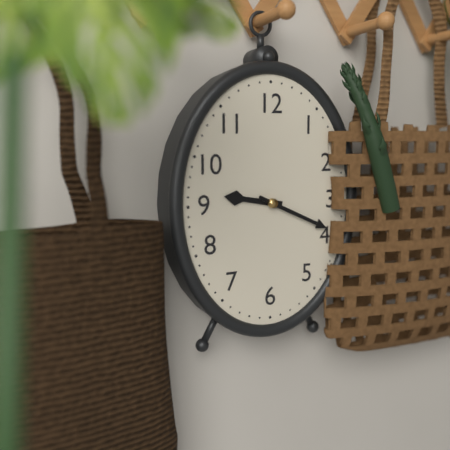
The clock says 9h19
